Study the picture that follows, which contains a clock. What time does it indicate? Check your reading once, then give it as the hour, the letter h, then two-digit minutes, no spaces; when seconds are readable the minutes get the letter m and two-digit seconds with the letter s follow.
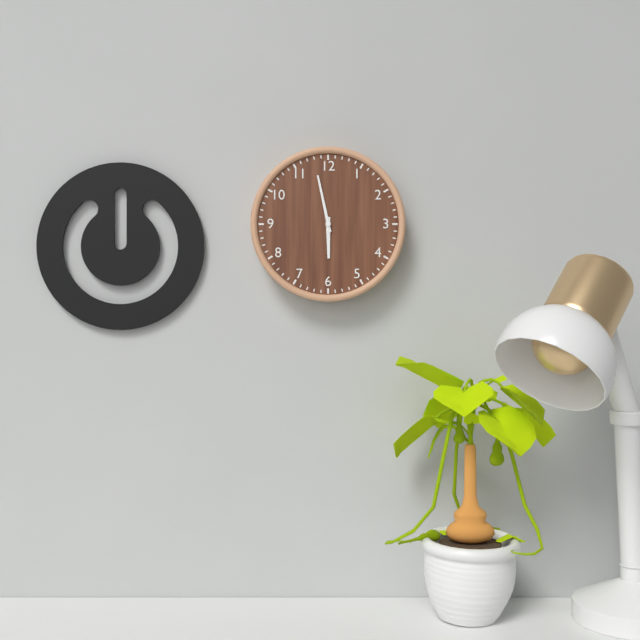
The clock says 5h58
